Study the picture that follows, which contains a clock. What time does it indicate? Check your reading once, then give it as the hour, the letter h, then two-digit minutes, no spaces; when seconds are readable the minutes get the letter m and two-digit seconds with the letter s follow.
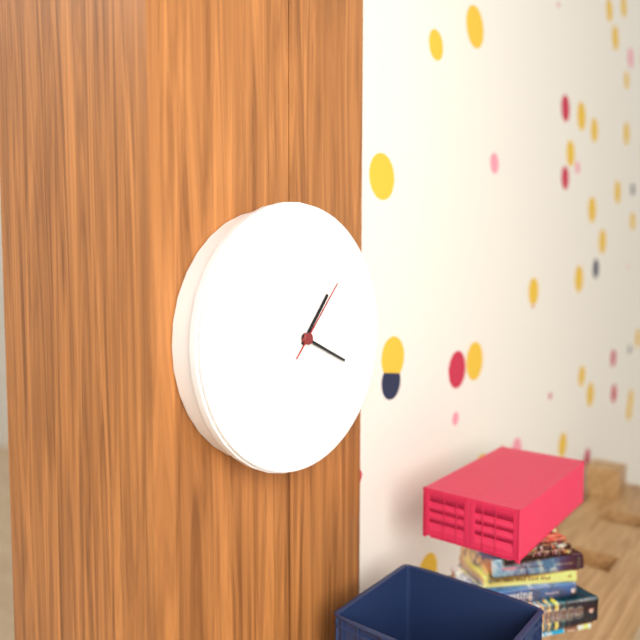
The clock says 1h19m07s
